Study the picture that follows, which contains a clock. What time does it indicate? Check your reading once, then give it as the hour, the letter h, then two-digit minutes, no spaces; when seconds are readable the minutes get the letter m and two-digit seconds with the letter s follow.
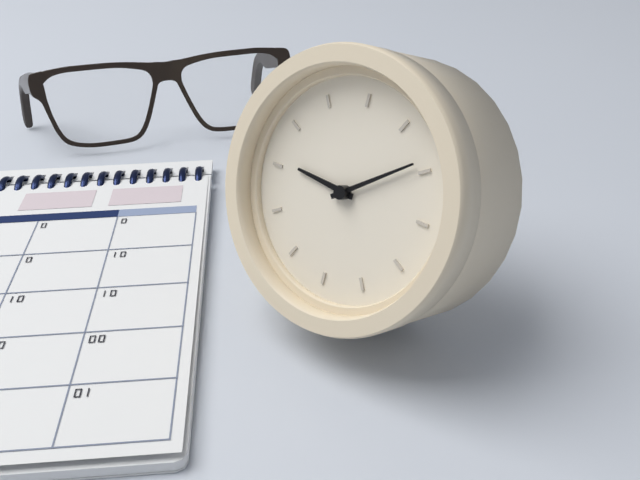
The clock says 9h09
